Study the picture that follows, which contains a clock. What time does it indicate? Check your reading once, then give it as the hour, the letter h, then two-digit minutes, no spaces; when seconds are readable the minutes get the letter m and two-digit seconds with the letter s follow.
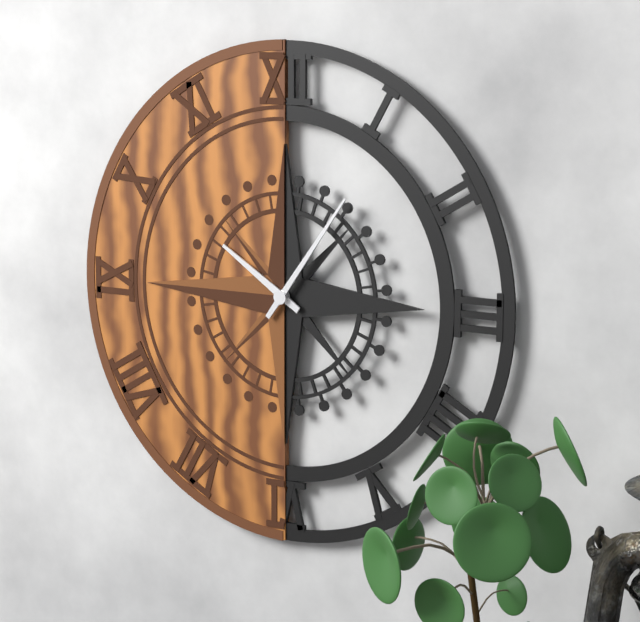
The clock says 10h06
